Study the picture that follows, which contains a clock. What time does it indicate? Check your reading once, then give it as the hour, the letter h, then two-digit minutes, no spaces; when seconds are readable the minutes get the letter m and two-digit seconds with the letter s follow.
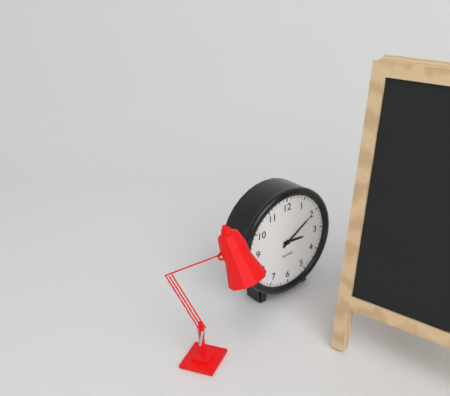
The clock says 3h10
